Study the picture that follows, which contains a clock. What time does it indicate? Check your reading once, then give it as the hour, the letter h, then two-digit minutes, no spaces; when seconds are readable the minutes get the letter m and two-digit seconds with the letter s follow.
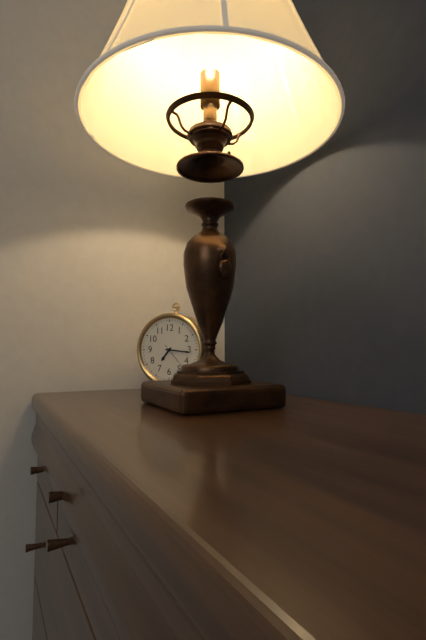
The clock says 7h16
